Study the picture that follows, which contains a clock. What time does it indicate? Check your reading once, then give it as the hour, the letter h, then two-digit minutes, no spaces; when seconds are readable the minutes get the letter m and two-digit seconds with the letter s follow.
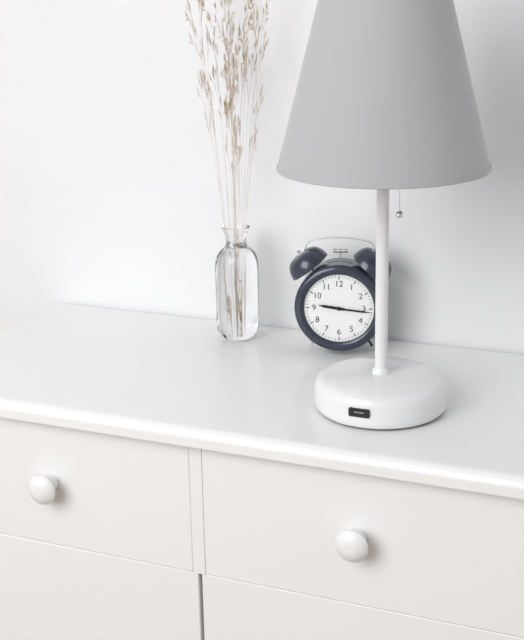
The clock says 9h16
